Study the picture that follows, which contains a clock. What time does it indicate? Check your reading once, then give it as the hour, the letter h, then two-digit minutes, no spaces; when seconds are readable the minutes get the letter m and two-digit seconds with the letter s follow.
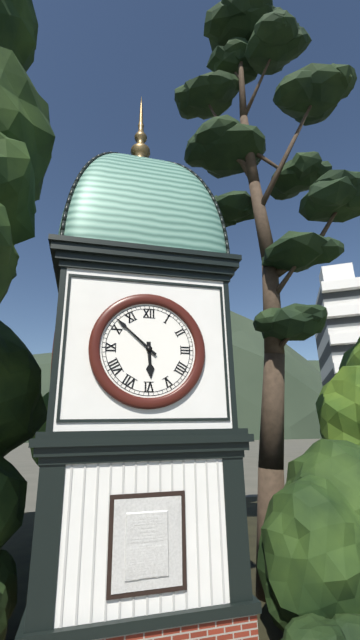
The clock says 5h52
